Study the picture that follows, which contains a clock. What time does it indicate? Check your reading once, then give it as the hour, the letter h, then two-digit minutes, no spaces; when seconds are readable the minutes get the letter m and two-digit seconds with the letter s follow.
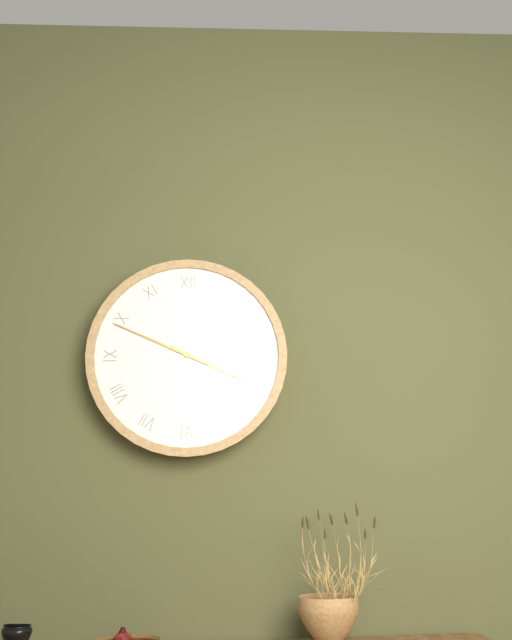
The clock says 3h49
